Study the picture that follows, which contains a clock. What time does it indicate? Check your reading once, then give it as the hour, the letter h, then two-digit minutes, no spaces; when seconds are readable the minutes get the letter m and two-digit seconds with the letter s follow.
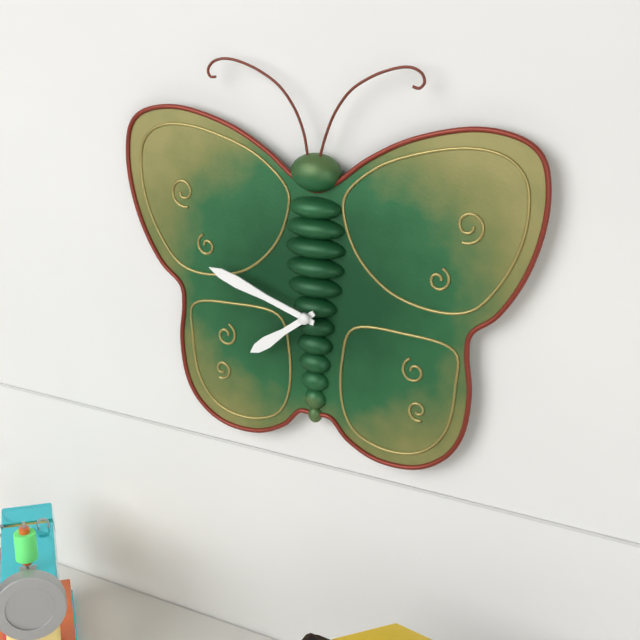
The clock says 7h48
